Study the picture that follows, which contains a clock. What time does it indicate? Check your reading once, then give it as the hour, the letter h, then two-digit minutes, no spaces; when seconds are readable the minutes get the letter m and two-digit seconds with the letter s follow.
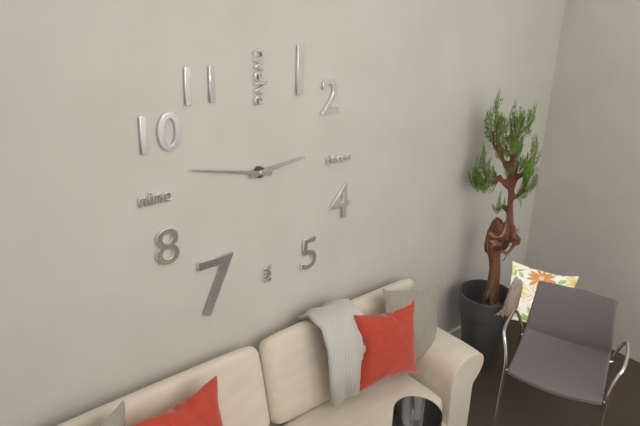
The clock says 2h47
